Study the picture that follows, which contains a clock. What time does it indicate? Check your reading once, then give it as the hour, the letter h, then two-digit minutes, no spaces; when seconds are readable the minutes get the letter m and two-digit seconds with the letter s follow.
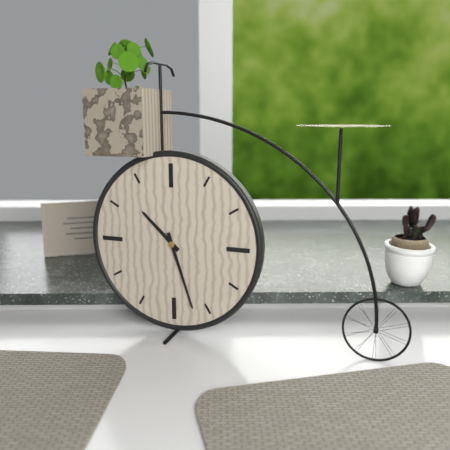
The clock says 10h27
